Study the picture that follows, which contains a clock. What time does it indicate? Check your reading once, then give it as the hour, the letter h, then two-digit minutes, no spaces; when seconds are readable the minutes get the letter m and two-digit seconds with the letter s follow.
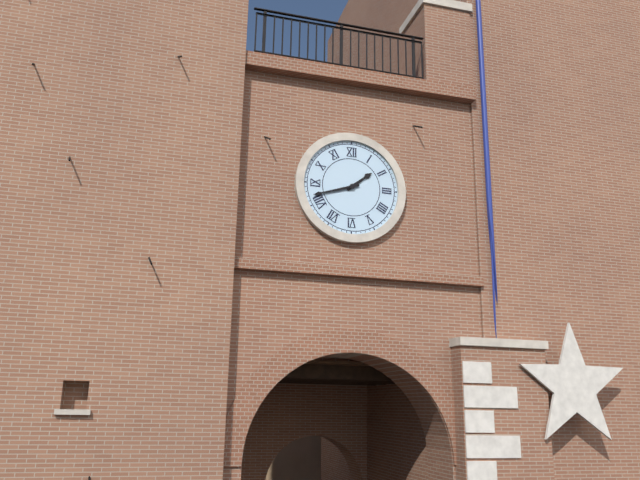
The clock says 1h42
